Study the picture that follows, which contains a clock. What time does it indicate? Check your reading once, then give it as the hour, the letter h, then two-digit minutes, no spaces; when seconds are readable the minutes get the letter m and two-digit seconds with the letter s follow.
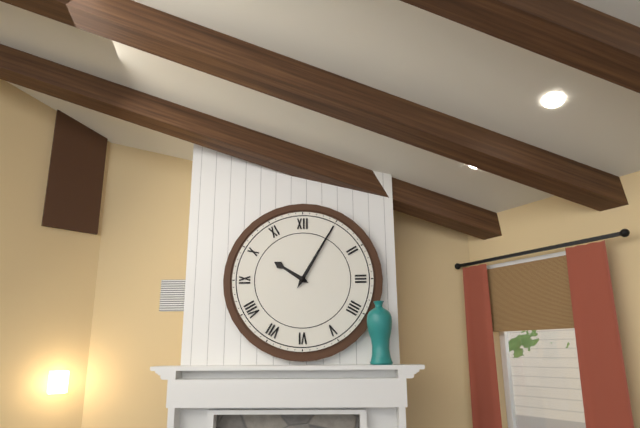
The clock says 10h05
